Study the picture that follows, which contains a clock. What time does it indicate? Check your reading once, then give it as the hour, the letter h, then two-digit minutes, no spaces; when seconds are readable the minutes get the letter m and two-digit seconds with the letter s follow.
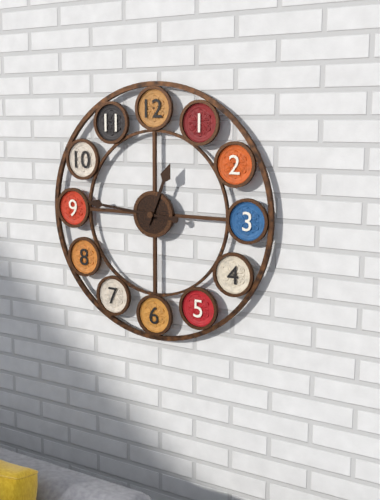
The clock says 12h46
